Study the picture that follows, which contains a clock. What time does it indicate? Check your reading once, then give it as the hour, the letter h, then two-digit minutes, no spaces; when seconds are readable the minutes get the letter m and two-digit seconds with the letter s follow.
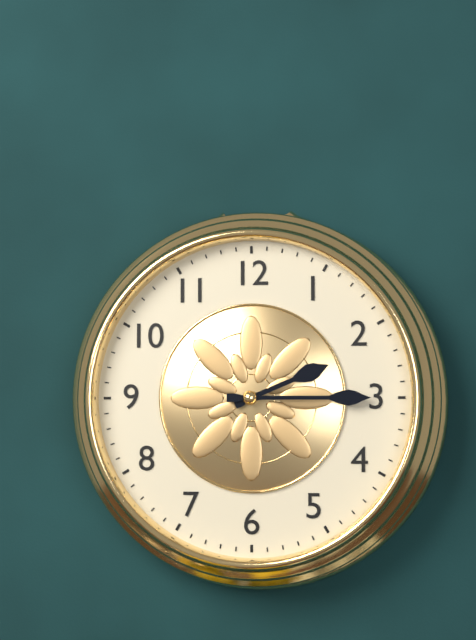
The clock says 2h15
